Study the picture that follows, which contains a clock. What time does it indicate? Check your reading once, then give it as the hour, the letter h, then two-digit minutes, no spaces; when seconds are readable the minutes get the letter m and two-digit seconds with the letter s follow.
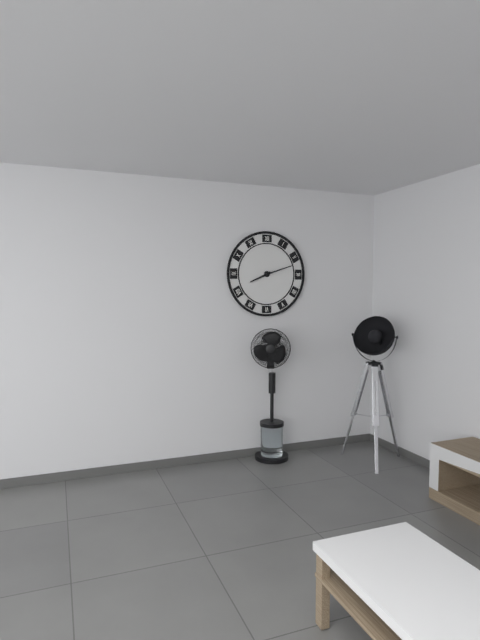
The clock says 8h12
